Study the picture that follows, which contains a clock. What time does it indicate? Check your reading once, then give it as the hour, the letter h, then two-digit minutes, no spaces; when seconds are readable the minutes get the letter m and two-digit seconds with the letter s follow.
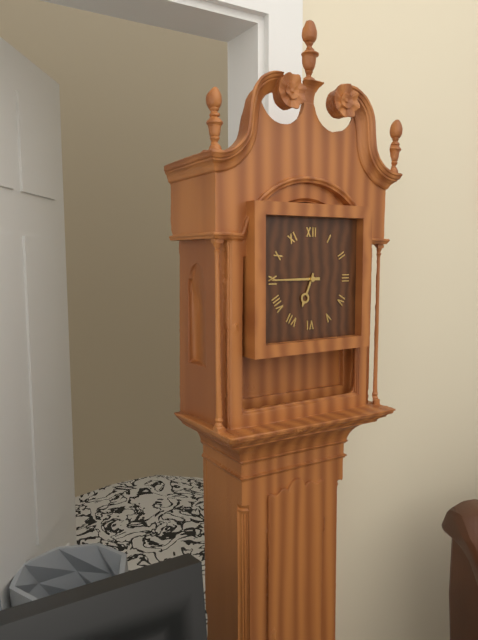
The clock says 6h45
